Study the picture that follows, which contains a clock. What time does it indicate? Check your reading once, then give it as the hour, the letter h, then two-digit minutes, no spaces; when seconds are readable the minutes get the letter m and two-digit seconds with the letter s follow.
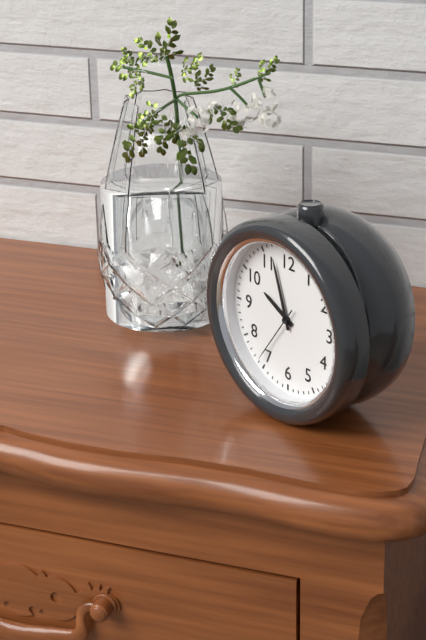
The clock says 9h57m36s
